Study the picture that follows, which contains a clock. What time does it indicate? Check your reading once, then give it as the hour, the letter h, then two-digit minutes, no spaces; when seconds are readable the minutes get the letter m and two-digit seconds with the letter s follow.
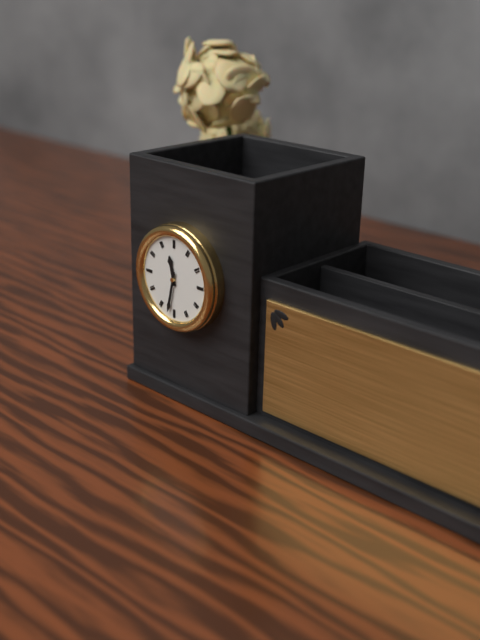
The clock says 11h32
